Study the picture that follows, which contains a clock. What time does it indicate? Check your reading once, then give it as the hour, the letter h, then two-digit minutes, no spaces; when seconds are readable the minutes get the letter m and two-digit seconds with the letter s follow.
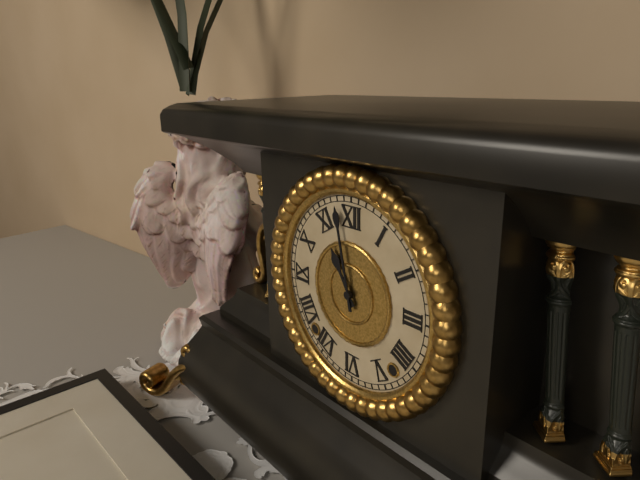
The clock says 10h58
